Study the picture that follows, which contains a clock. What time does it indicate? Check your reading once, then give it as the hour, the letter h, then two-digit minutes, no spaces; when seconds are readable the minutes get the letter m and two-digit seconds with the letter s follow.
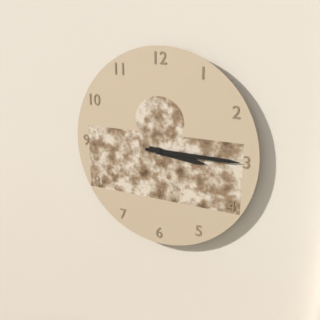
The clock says 3h15
